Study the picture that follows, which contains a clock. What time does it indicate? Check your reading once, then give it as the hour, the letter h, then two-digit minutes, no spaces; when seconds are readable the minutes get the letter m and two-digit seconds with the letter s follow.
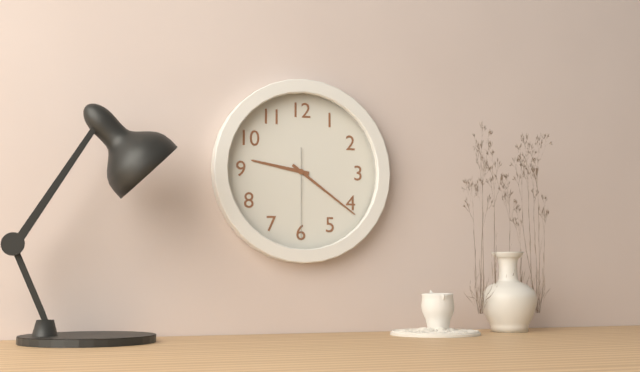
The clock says 9h21m30s
